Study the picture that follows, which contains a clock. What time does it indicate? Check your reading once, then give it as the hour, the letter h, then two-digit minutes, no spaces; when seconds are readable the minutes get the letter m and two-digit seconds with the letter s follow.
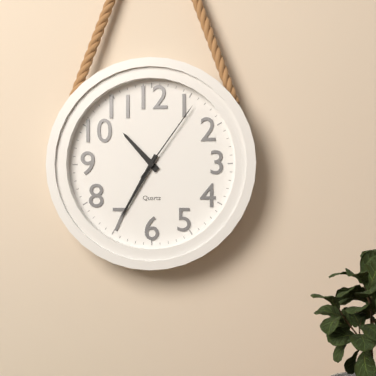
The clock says 10h35m06s
